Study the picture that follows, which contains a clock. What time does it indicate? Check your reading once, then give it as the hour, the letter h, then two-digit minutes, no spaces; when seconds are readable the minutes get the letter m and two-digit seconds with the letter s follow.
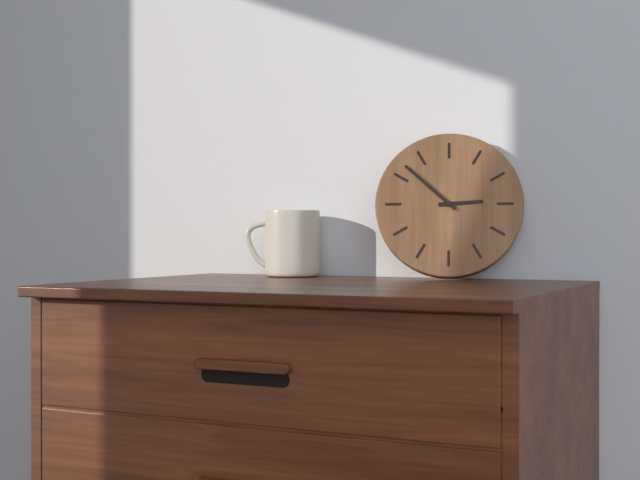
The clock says 2h52
